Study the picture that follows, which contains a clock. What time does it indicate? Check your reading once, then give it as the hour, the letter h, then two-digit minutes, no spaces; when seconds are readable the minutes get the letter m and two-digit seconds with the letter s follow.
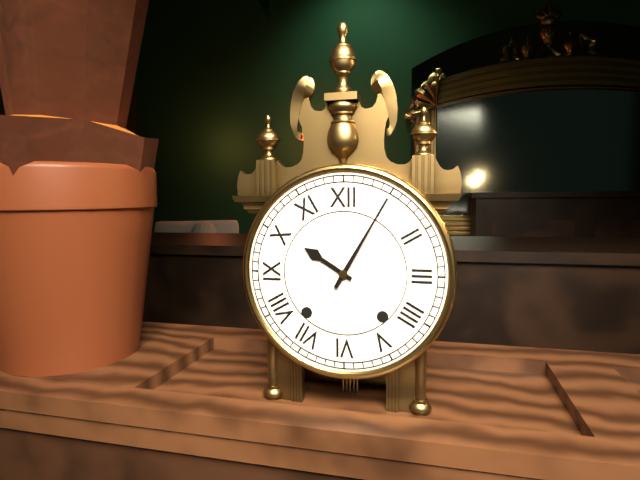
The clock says 10h05
